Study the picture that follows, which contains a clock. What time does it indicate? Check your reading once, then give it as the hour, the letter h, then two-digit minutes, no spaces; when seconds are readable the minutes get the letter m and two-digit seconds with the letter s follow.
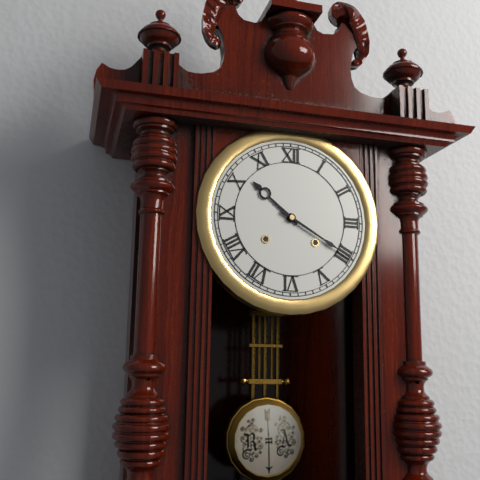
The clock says 10h20
